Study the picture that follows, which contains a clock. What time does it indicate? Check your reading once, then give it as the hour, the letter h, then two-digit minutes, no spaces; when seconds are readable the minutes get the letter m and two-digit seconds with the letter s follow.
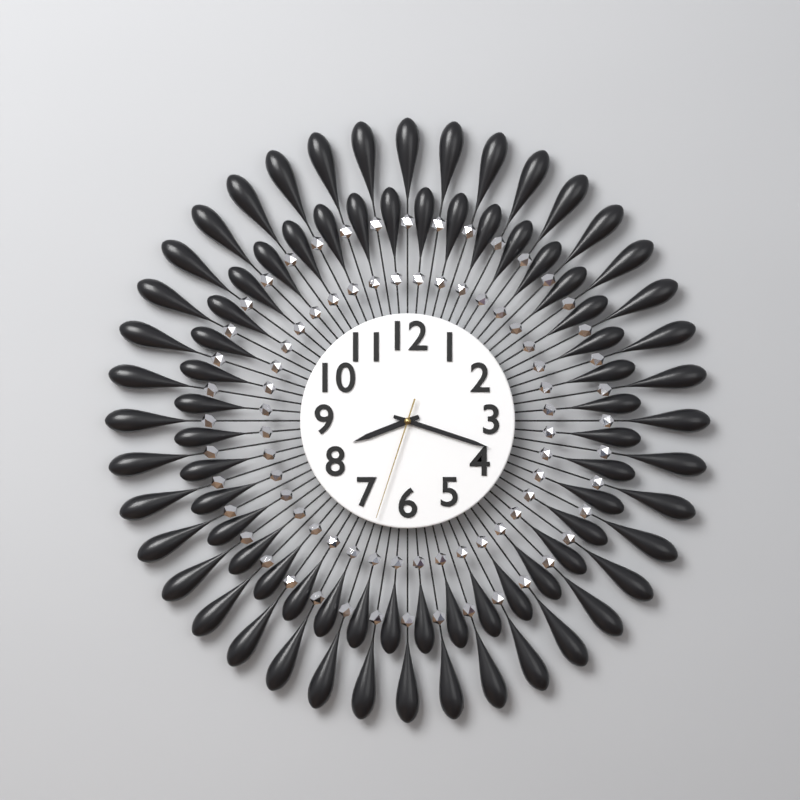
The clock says 8h18m33s
